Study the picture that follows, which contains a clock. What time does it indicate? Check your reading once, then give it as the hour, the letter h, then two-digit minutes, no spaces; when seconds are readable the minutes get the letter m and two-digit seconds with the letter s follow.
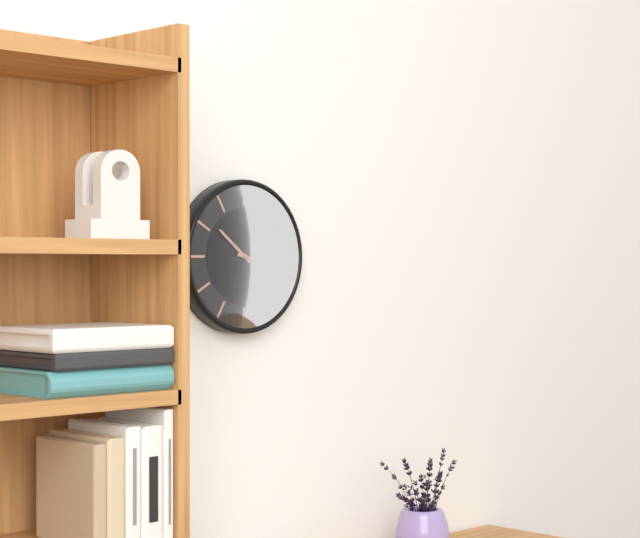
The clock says 10h17
